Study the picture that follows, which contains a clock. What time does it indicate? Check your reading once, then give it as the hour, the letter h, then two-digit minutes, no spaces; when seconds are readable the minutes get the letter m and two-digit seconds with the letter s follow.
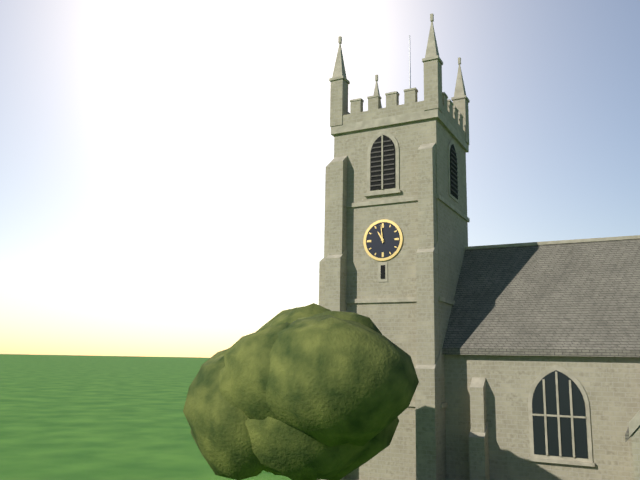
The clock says 10h59
